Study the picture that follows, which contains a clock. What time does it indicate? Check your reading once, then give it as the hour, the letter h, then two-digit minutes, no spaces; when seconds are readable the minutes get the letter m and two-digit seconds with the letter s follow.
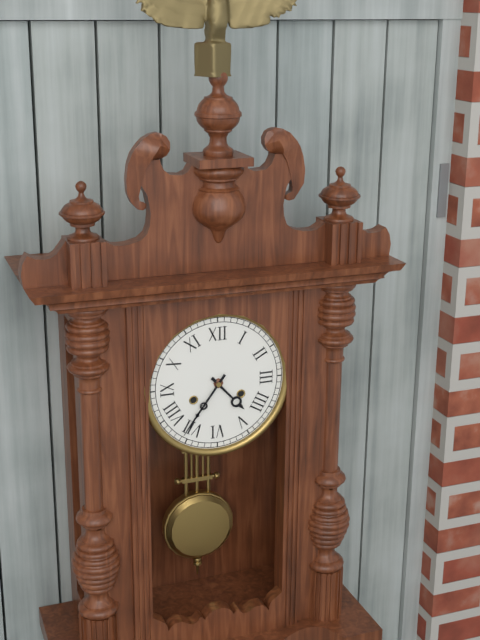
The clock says 4h36
